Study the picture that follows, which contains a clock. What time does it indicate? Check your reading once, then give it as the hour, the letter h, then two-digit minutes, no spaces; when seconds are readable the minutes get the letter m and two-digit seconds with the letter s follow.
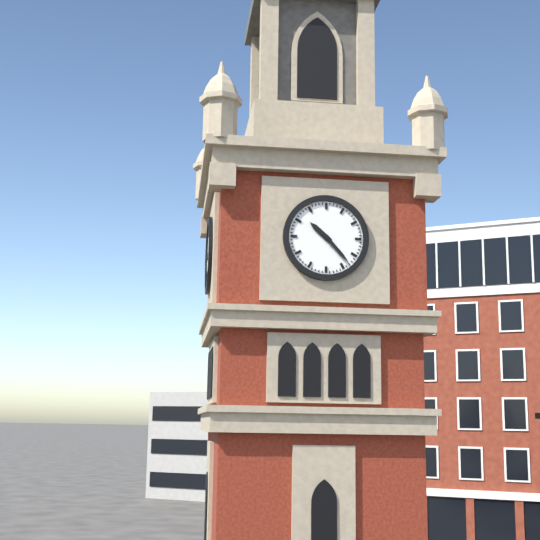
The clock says 10h23
